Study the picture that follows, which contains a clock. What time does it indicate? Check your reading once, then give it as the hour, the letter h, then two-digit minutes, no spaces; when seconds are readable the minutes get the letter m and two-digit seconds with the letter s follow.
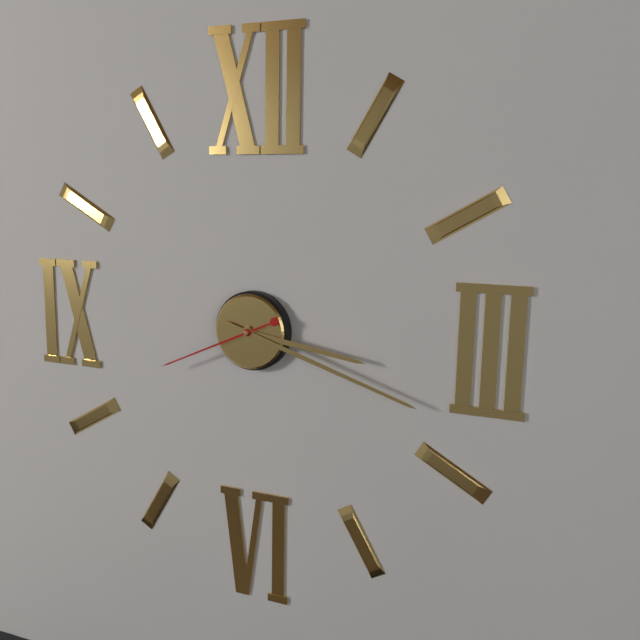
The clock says 3h18m41s
